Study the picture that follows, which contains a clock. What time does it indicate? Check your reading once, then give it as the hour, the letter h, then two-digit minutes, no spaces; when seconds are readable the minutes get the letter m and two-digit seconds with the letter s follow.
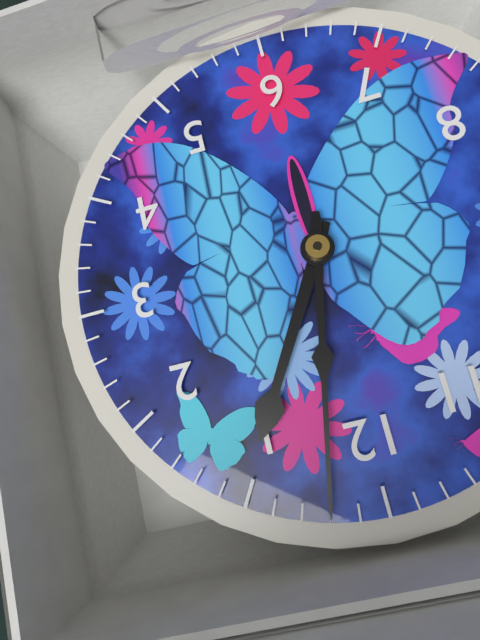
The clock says 1h02
